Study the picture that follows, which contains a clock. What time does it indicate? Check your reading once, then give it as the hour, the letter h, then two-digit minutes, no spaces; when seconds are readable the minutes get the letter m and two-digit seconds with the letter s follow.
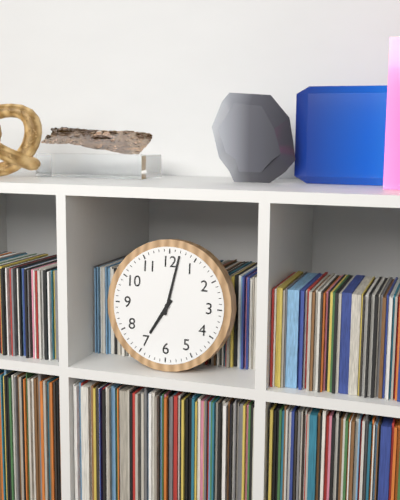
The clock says 7h02
